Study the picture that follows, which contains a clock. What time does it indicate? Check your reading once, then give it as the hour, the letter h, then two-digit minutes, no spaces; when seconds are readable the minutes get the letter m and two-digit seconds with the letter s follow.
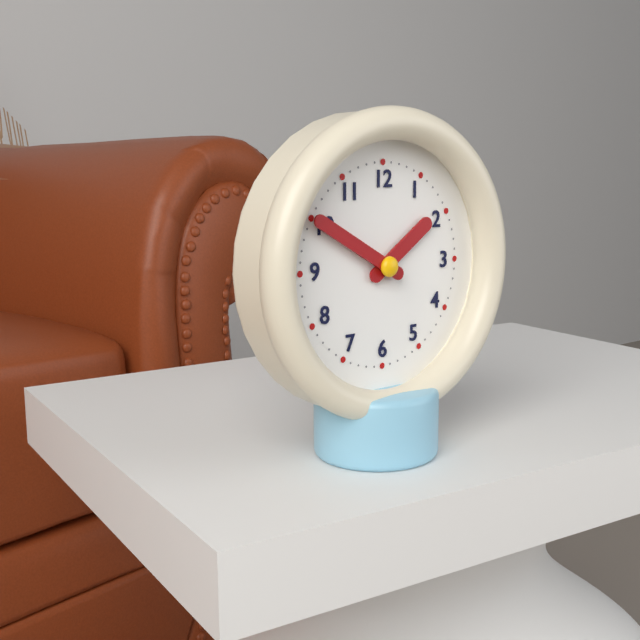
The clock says 1h50
